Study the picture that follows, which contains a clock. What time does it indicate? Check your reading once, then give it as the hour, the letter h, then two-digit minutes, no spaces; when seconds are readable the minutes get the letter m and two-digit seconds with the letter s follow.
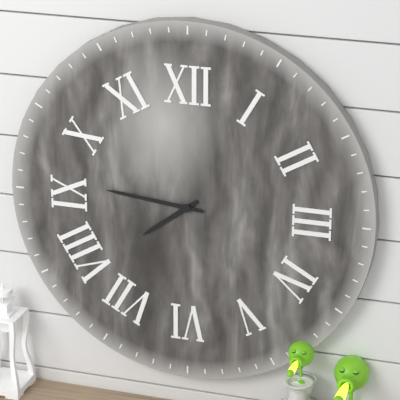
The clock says 7h46
